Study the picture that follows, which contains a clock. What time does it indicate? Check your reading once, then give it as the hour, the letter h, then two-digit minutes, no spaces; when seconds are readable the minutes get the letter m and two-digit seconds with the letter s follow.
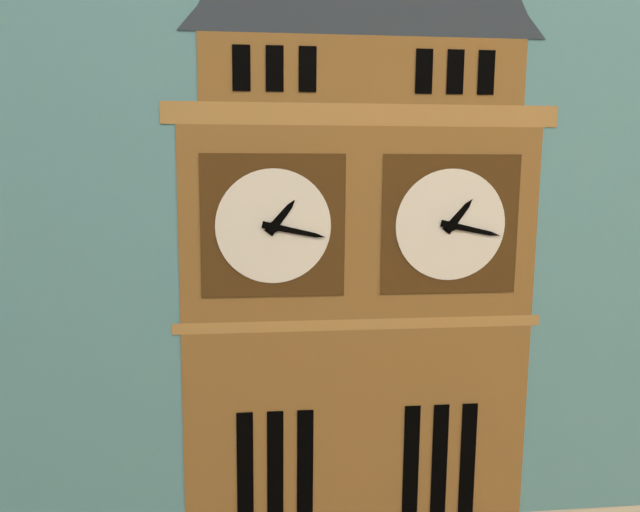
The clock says 1h17
